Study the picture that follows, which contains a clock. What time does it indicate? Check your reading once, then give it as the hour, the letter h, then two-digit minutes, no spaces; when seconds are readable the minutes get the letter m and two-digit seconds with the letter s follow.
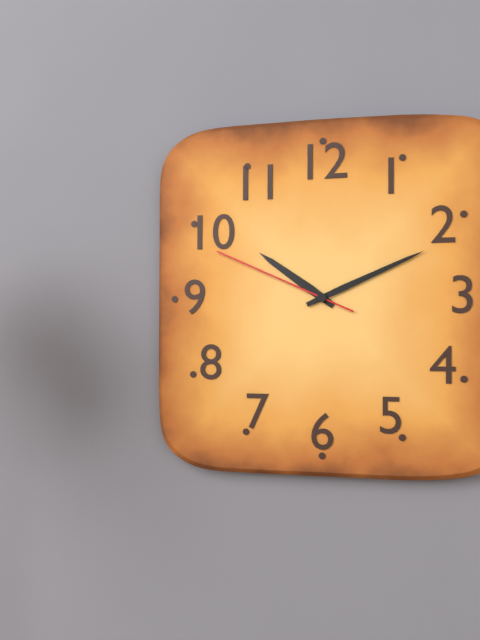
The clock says 10h11m49s
